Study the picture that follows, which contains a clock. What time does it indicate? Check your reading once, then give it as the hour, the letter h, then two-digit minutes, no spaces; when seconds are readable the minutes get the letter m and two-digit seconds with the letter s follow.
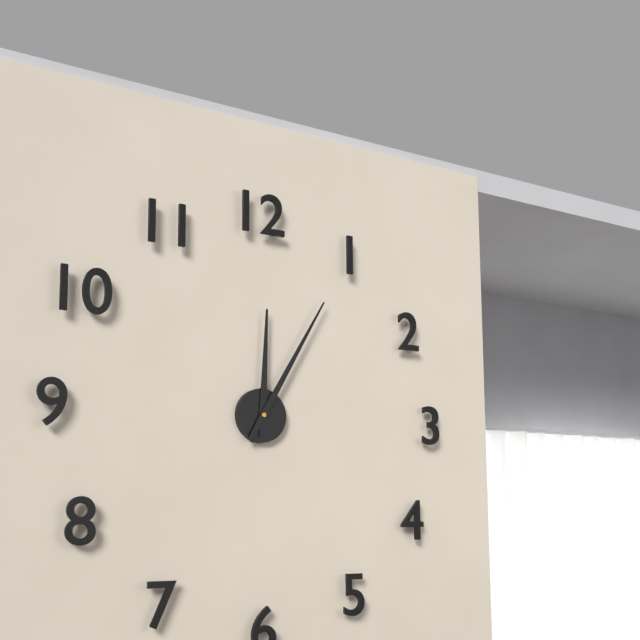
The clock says 12h05
